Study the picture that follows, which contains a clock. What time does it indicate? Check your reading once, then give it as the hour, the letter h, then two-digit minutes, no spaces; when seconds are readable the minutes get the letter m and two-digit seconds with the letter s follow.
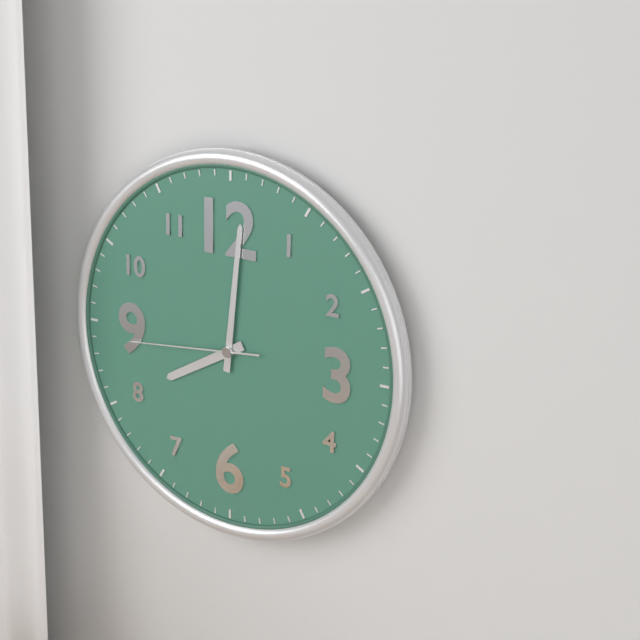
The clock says 8h01m44s
